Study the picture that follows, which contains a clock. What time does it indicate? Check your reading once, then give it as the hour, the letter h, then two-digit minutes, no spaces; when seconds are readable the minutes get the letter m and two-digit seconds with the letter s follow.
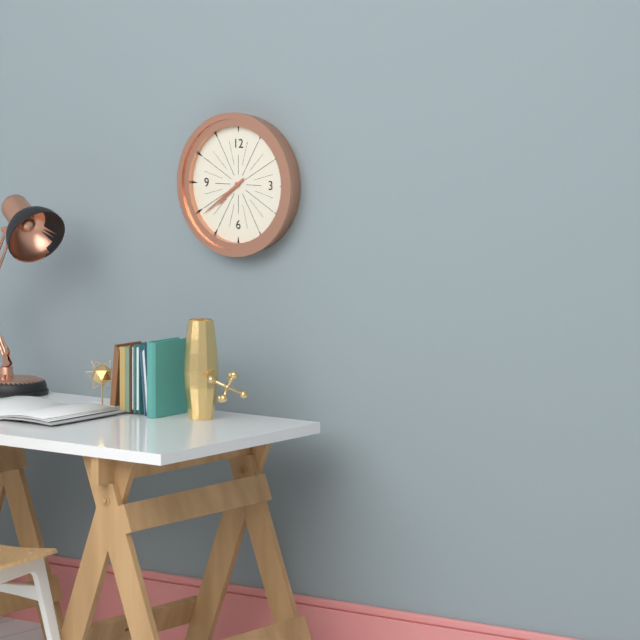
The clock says 7h39
